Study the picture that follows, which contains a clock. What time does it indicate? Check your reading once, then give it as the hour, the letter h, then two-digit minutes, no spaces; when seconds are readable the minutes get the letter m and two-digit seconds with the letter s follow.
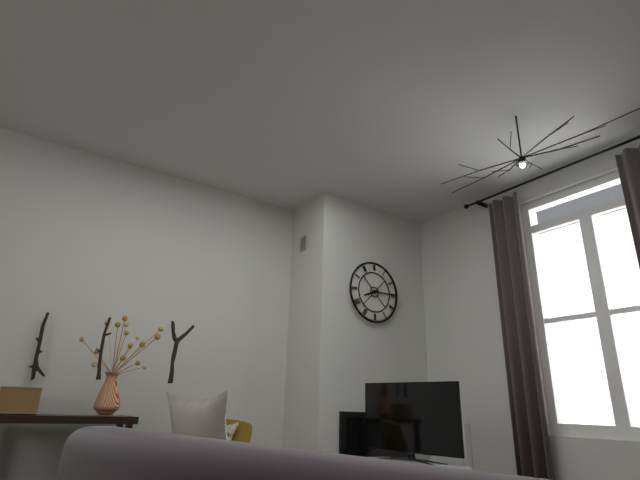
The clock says 8h15
